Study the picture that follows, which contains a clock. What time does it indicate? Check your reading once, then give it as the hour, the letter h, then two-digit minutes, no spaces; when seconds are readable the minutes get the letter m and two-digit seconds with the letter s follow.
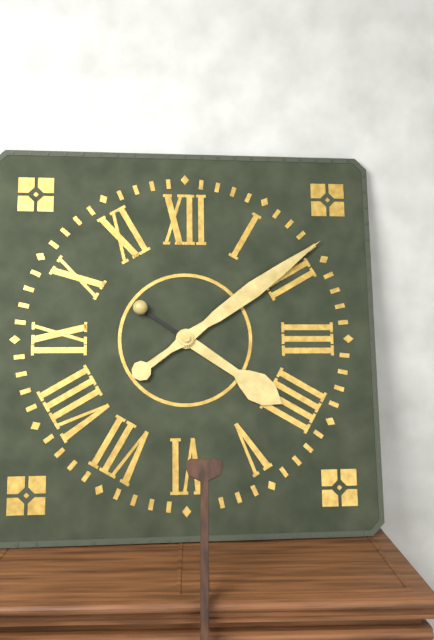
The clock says 4h09
